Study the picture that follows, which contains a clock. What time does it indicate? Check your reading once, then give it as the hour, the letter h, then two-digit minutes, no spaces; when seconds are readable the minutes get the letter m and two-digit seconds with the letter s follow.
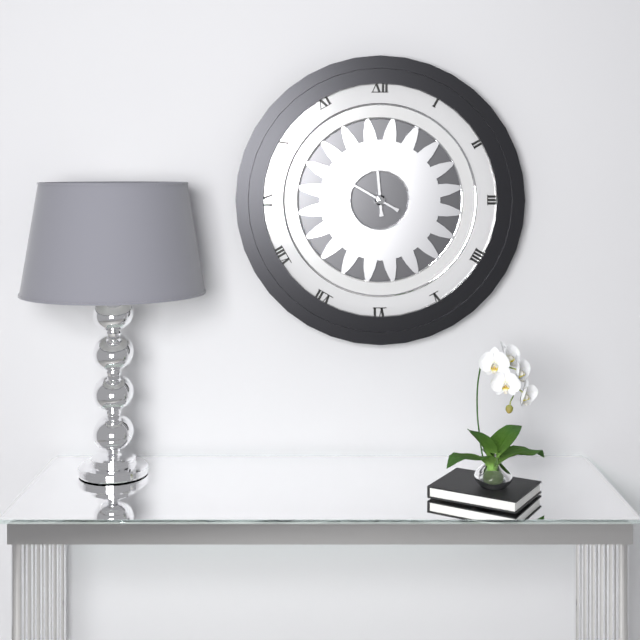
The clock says 11h50
